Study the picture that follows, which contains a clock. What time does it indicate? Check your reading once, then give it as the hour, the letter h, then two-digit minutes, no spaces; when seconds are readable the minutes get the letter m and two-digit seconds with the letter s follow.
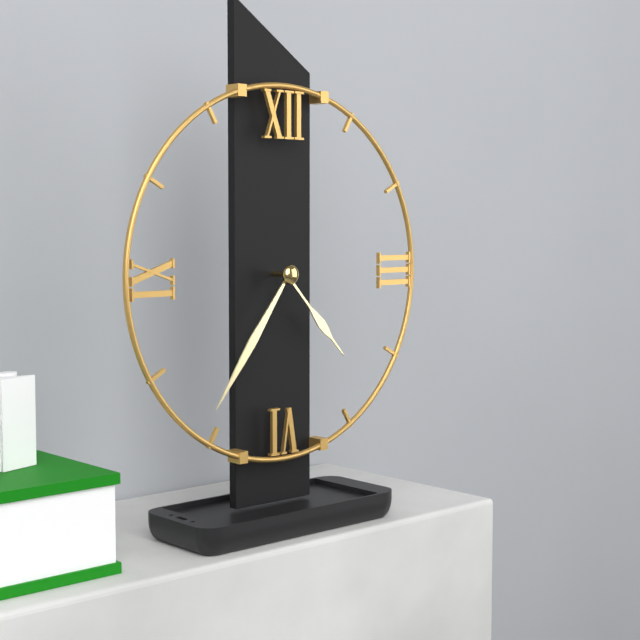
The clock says 4h36
